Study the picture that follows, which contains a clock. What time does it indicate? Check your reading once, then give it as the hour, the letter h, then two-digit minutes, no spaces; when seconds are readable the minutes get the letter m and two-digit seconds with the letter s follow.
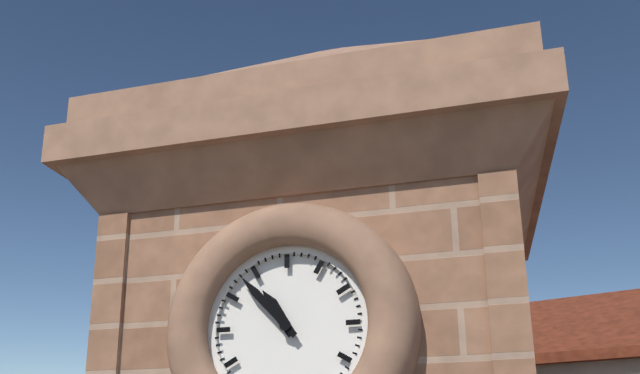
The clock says 10h53
